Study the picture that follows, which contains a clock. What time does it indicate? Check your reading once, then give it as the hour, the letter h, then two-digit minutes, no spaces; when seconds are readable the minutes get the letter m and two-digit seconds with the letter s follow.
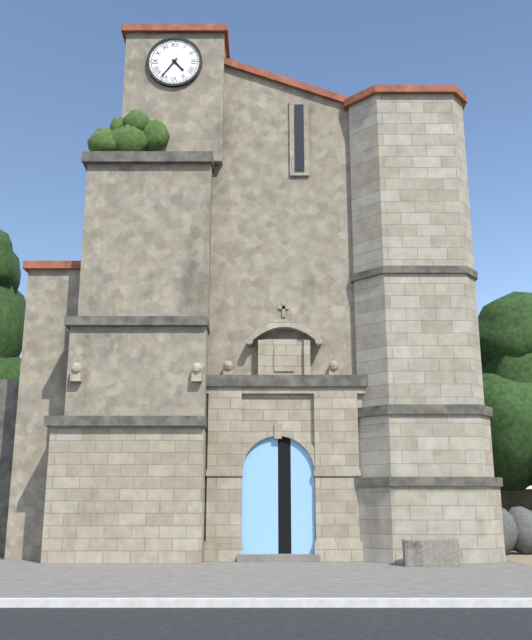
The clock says 4h36
